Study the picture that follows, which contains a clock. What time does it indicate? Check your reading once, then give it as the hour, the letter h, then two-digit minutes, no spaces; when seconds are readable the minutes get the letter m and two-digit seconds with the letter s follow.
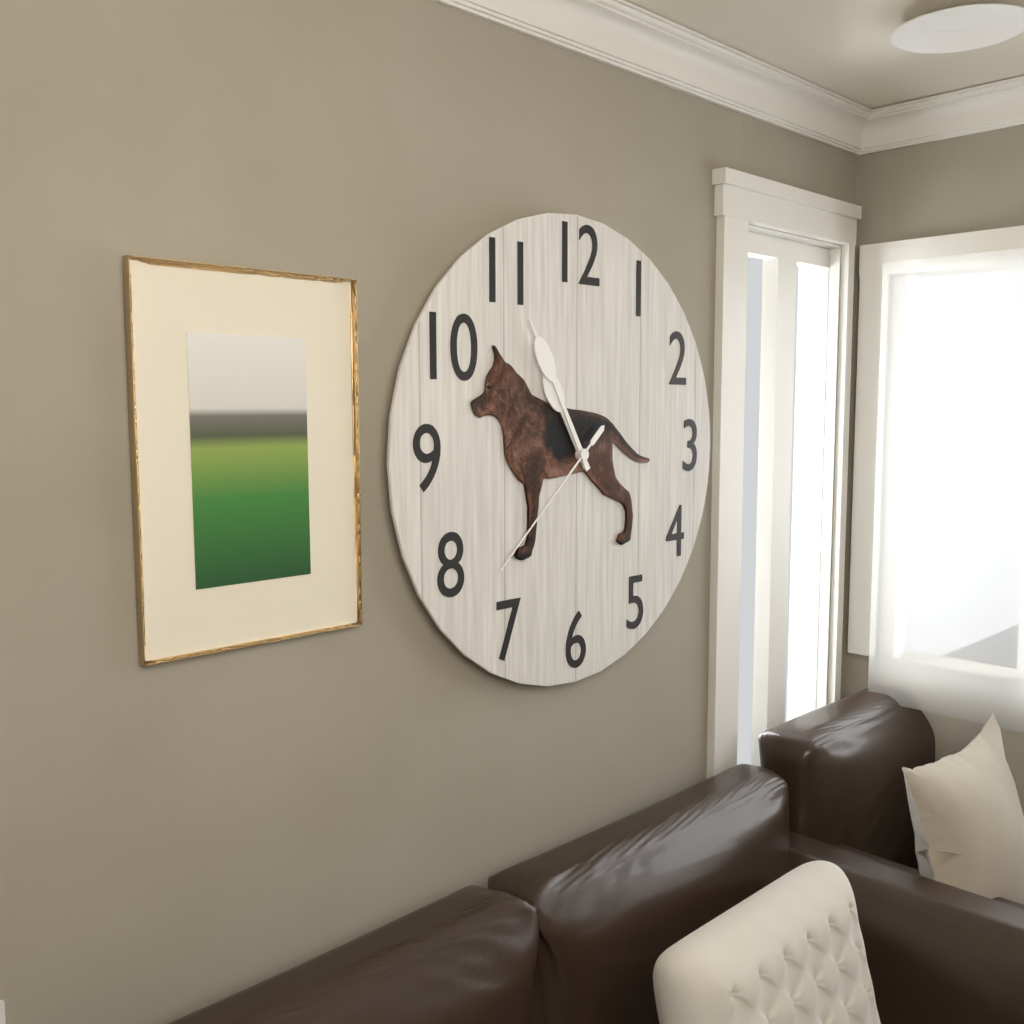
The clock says 10h55m38s
